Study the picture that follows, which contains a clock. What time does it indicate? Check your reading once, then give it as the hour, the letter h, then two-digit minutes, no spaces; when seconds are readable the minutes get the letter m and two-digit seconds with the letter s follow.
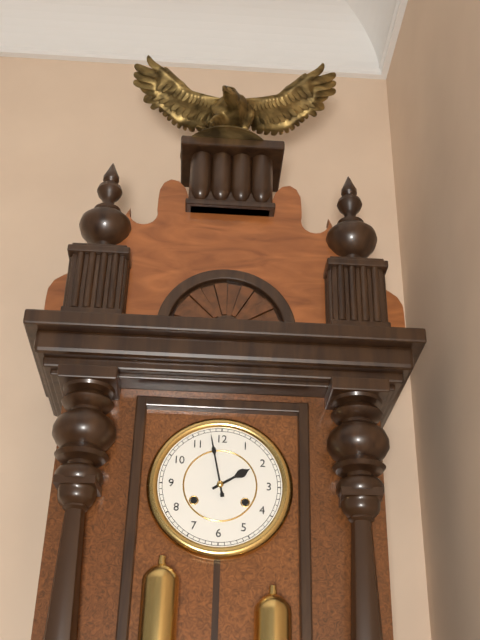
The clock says 1h58
